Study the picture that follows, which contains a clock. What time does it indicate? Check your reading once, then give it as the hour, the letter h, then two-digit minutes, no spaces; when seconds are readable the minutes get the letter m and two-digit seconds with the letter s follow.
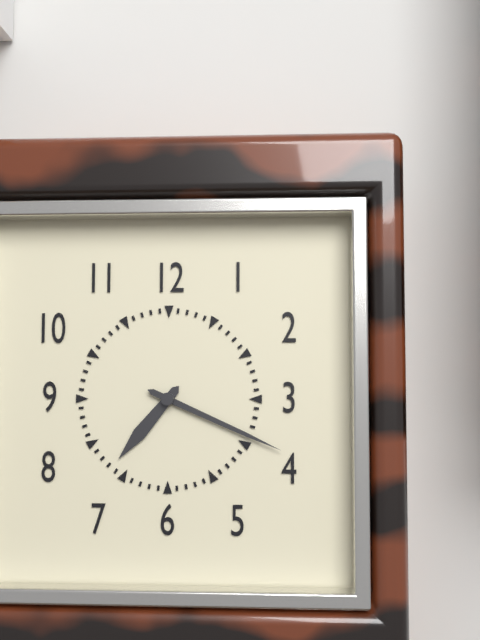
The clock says 7h19
